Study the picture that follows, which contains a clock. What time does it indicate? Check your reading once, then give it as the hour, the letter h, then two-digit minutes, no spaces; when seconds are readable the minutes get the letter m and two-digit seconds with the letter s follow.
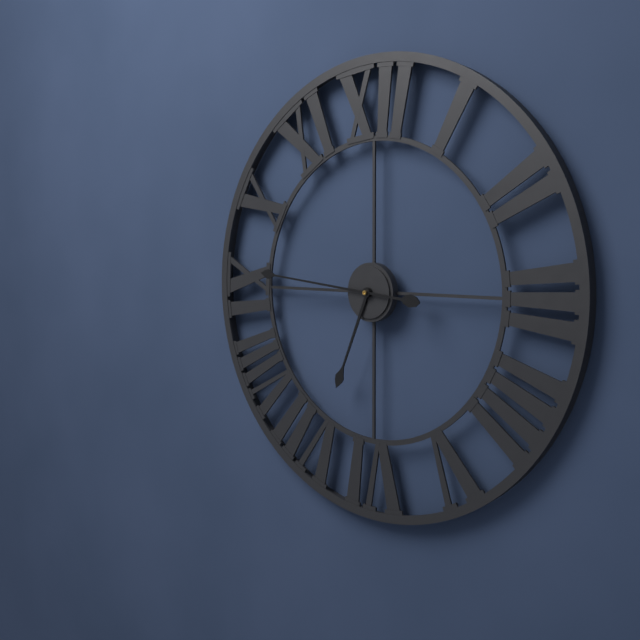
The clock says 6h46
